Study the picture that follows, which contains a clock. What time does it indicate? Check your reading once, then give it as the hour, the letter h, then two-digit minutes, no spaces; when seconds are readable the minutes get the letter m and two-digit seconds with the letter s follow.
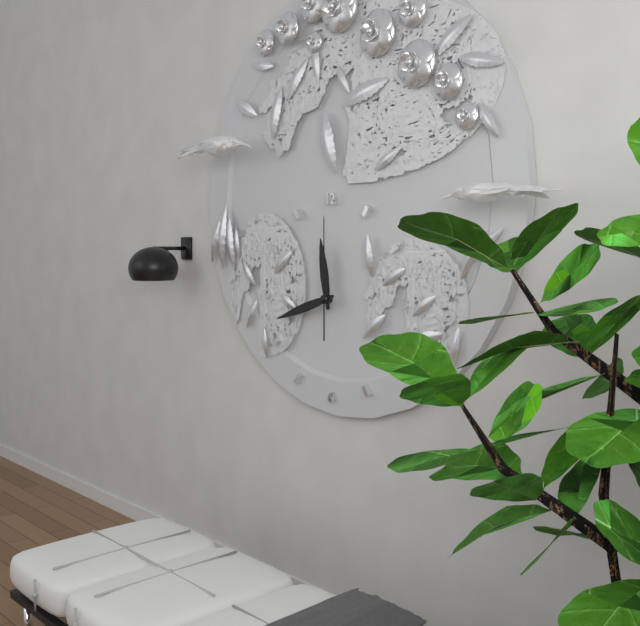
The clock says 11h42m00s
